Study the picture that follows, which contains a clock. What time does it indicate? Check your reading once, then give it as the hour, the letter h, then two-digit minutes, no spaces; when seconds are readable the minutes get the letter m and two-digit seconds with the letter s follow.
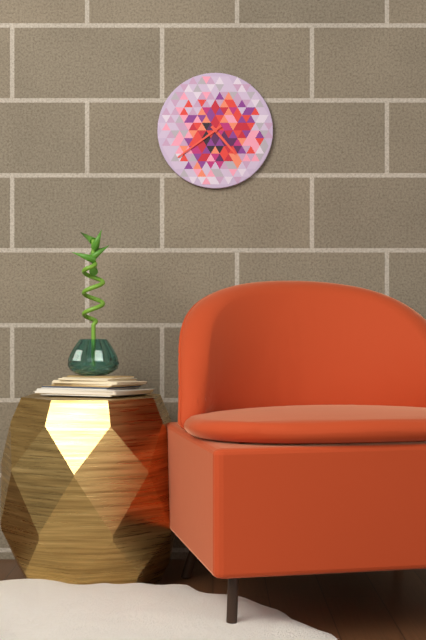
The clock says 4h39
